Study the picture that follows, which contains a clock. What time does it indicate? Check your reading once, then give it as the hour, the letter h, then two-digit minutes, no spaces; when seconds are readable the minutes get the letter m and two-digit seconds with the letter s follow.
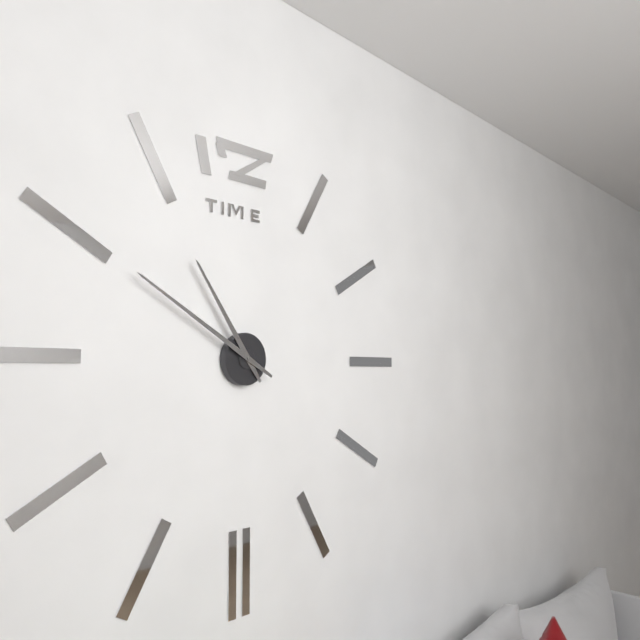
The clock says 10h50
